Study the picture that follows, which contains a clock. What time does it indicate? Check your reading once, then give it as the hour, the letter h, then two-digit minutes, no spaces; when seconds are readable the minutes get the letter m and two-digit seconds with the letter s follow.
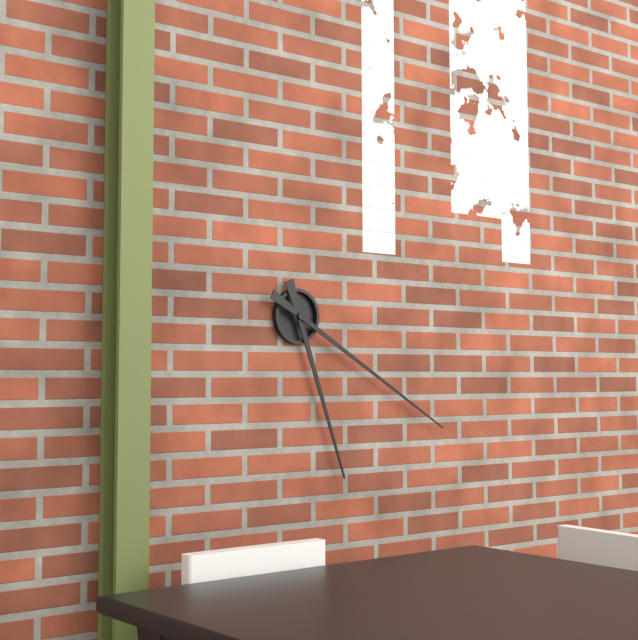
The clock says 5h20
